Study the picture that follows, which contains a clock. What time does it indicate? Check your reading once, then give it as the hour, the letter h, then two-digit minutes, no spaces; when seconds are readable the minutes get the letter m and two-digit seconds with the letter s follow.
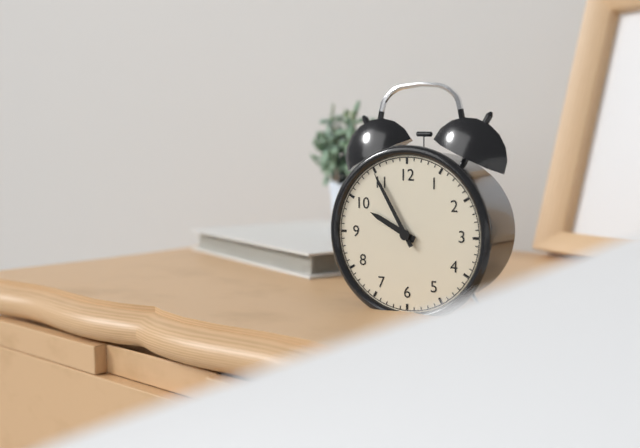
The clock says 9h55
